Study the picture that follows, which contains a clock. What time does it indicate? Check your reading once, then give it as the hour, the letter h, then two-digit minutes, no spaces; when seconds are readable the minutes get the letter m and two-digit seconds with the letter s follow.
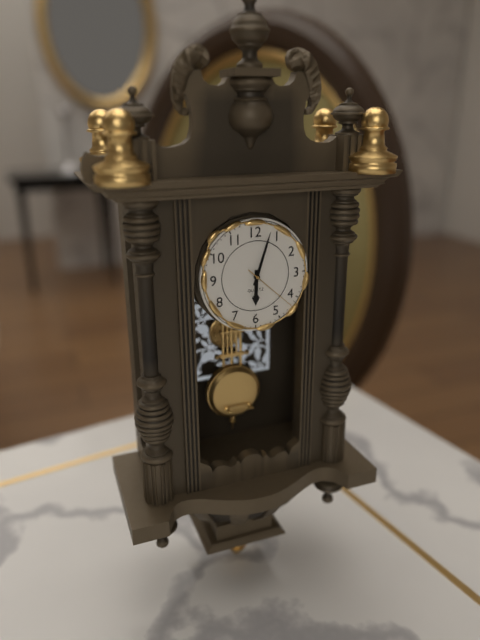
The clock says 6h03m22s
